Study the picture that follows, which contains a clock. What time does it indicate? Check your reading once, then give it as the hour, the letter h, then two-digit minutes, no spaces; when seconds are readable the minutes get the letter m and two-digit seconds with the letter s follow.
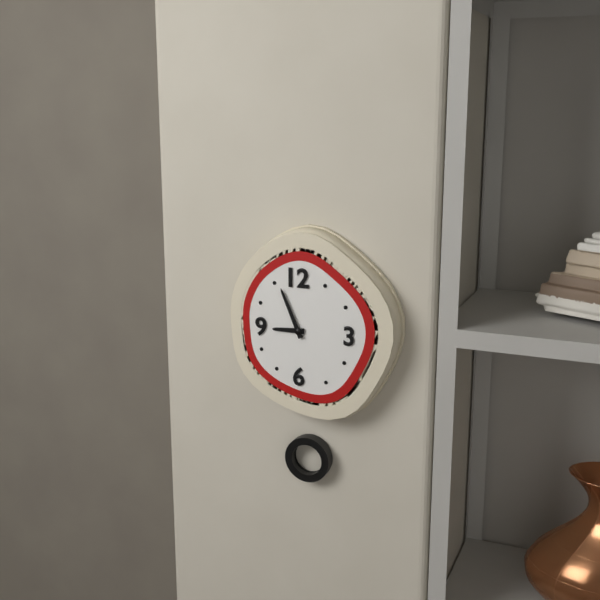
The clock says 8h56
